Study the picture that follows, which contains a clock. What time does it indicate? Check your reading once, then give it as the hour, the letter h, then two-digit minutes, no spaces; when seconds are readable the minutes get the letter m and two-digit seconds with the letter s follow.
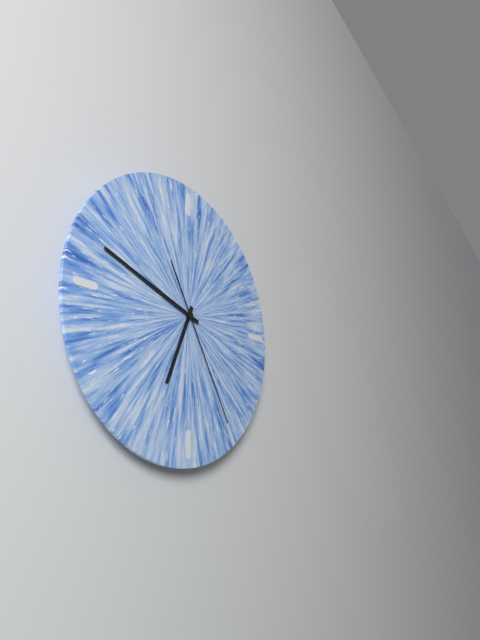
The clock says 6h48m25s
